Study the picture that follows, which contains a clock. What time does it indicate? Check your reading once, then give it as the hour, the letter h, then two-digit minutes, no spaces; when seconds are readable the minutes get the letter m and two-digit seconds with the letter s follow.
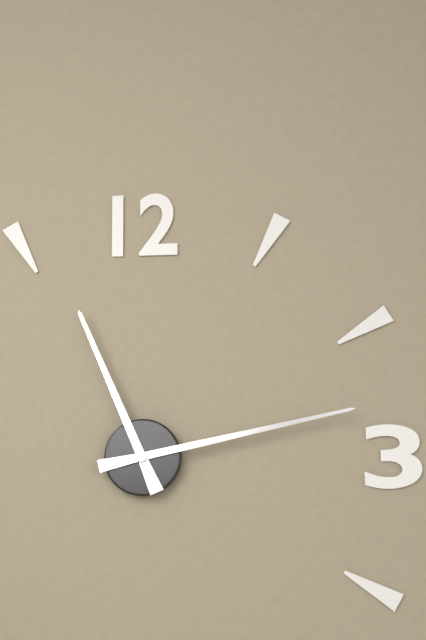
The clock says 11h13
